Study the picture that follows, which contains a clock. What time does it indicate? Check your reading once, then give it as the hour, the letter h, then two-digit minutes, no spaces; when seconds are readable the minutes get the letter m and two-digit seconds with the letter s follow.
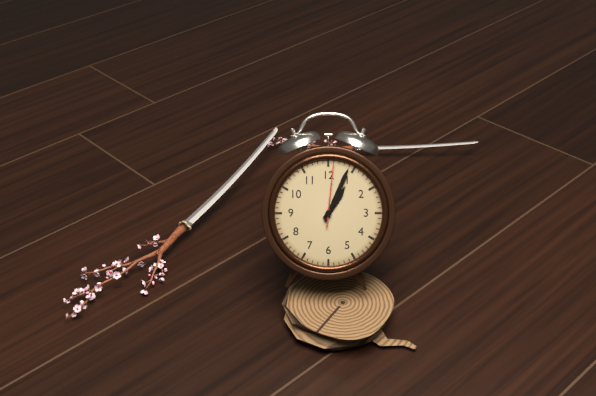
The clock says 1h04m01s
